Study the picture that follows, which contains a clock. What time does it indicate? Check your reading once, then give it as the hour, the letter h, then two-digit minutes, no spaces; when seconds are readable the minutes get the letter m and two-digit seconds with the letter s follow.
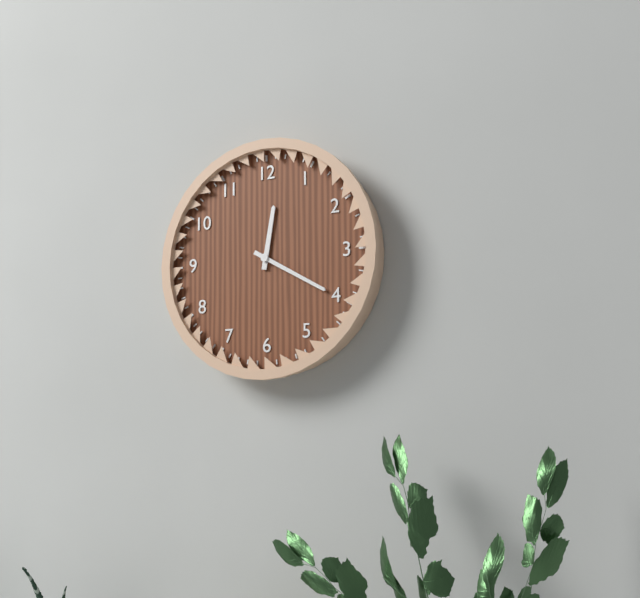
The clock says 12h20
